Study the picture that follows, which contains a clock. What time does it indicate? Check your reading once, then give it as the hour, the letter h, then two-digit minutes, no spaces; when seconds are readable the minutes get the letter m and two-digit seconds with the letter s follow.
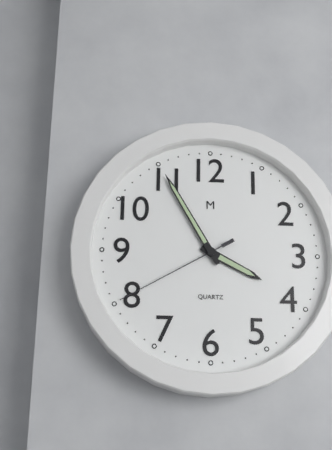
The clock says 3h55m40s
